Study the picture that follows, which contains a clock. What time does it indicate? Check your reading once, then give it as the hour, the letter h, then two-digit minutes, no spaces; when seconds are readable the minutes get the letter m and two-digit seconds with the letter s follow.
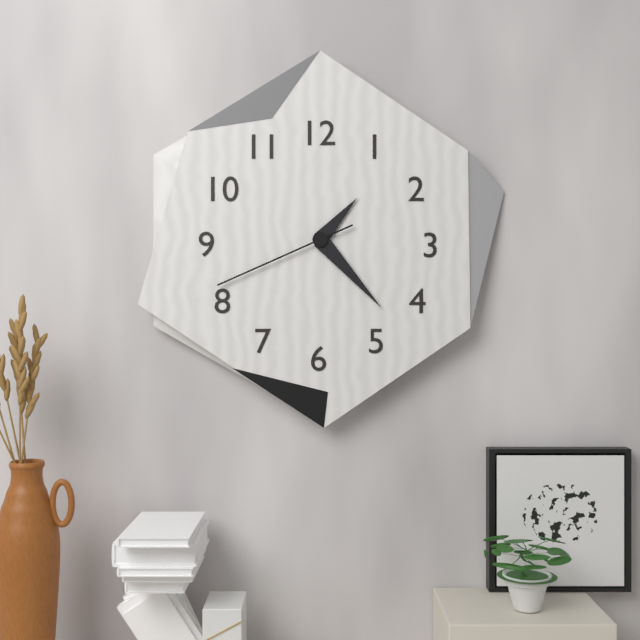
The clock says 1h23m41s
